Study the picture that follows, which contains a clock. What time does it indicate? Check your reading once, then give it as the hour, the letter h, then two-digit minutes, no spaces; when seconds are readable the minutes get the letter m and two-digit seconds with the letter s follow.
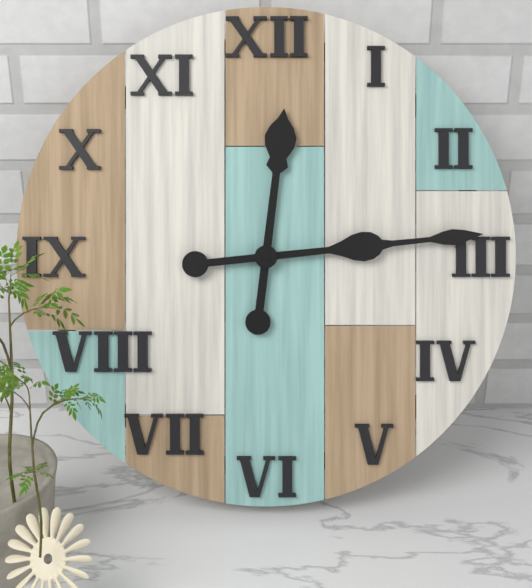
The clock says 12h14
